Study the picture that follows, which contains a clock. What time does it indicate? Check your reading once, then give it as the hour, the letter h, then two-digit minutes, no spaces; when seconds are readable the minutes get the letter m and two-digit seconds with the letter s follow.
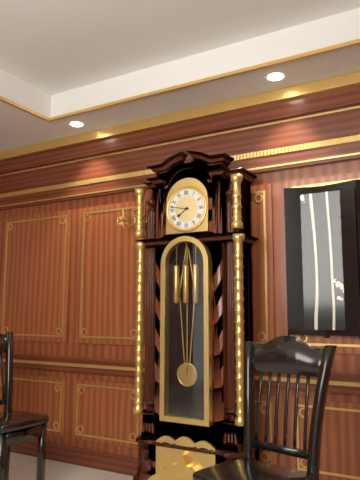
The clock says 7h47
